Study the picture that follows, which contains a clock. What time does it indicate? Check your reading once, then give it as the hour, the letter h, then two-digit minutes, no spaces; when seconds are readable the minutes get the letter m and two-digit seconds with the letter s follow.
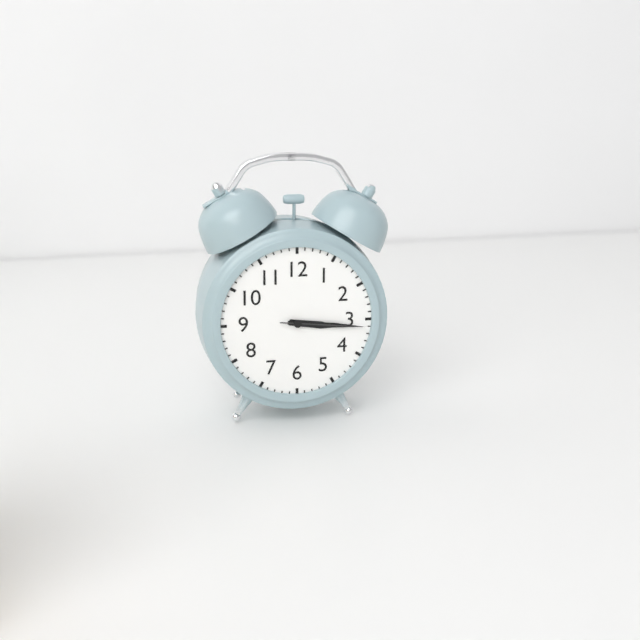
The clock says 3h16m16s
